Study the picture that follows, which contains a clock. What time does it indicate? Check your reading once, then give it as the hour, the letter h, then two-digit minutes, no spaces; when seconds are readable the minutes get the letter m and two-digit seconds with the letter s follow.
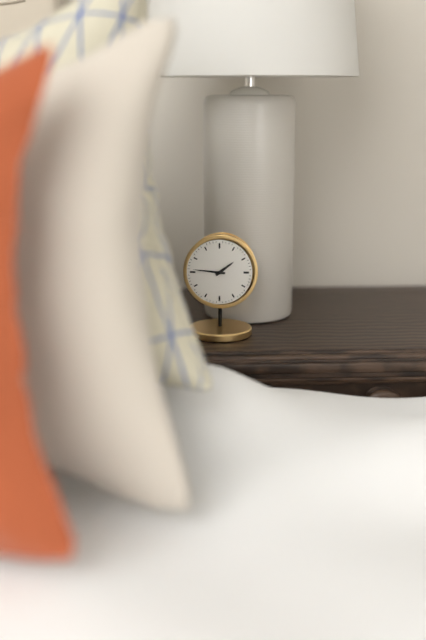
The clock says 1h46
